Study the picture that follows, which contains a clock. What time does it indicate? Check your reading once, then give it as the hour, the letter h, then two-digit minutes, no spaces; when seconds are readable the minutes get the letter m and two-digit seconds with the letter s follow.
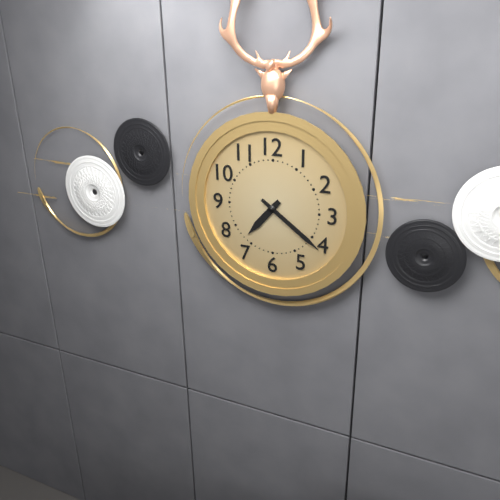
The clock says 7h21
